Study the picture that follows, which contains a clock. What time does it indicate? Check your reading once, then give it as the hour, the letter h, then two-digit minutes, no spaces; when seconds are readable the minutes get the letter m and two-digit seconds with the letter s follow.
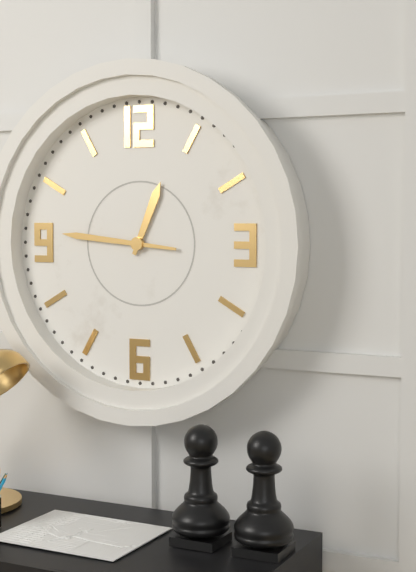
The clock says 12h46
